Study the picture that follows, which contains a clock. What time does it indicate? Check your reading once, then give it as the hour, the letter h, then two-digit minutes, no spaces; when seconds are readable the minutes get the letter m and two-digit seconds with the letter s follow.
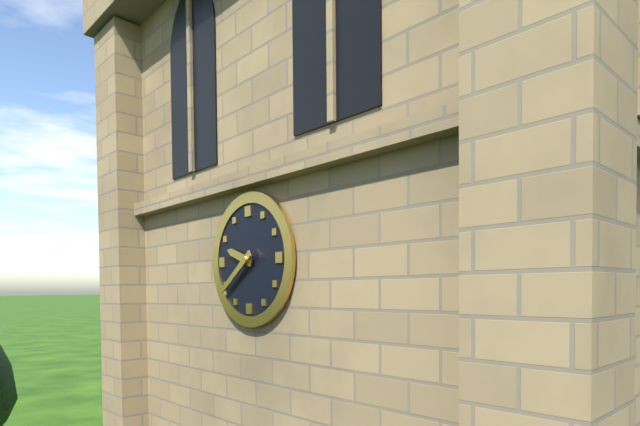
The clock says 9h39
